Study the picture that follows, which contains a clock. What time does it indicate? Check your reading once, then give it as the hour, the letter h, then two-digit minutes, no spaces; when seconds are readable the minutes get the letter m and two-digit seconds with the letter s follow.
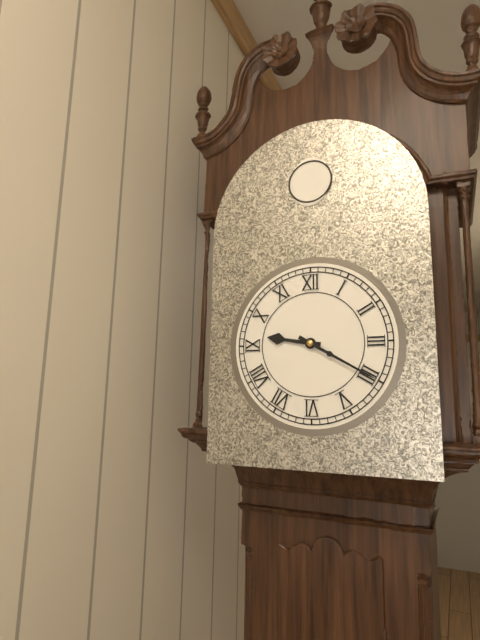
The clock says 9h20
